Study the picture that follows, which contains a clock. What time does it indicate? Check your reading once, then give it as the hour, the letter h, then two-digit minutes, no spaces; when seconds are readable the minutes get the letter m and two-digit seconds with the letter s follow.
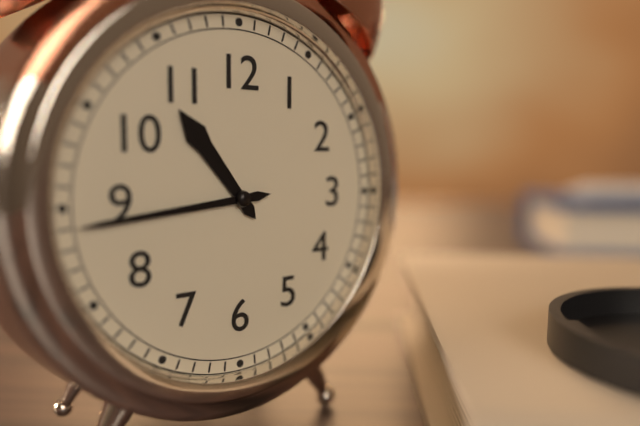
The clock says 10h44
